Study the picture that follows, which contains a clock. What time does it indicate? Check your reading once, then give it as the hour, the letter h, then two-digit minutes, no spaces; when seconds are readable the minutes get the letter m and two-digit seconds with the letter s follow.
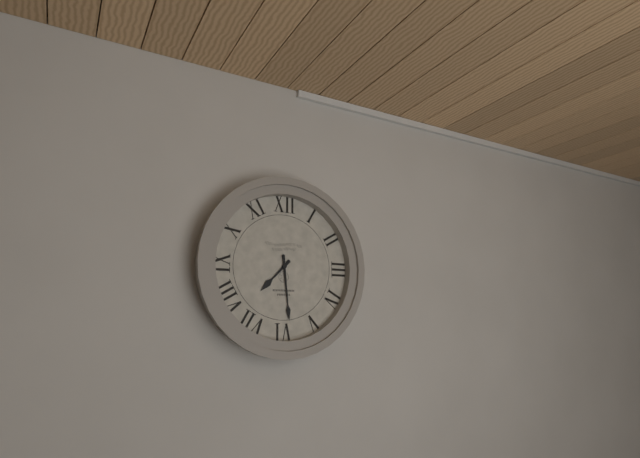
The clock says 7h29
